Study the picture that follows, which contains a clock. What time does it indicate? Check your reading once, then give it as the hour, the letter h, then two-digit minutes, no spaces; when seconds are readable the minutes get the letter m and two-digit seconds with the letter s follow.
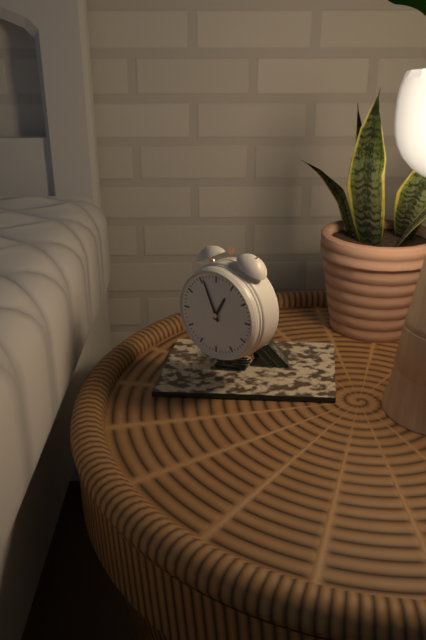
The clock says 12h56
